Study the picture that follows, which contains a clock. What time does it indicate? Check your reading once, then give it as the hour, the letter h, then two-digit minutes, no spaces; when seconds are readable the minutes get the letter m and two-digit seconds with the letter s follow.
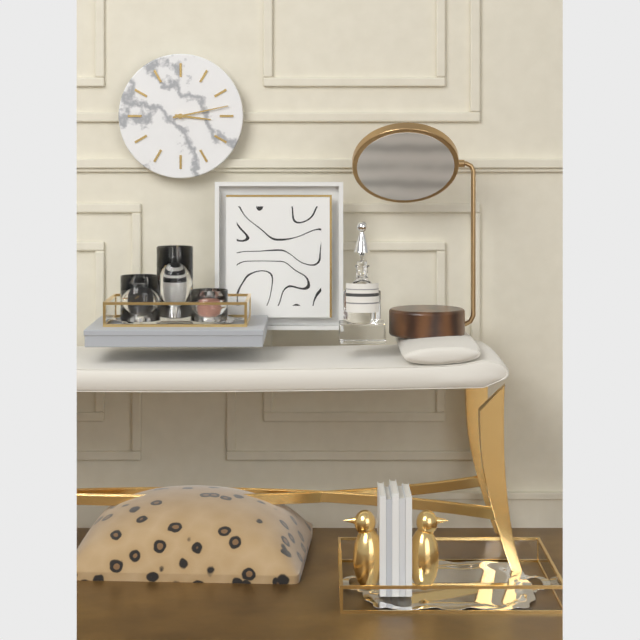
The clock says 3h13
